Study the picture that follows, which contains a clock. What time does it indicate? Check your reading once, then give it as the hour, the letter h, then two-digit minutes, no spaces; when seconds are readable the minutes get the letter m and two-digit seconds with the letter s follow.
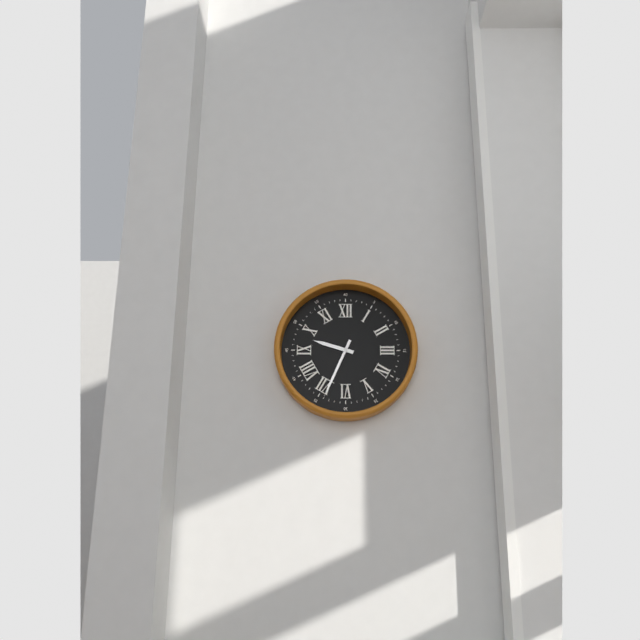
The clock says 9h34
